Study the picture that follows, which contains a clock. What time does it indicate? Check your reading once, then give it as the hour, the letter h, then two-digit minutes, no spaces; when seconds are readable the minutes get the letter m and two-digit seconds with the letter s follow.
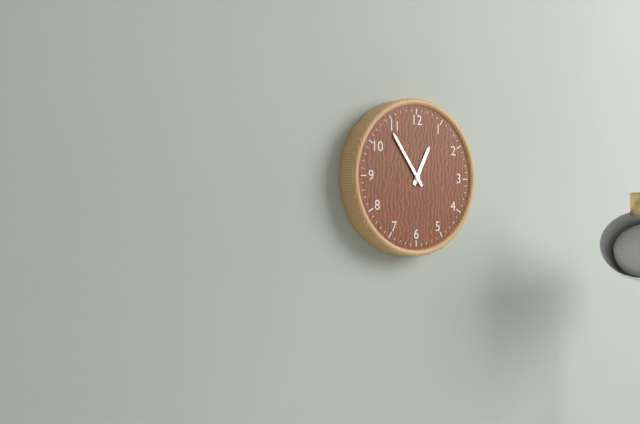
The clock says 12h54
